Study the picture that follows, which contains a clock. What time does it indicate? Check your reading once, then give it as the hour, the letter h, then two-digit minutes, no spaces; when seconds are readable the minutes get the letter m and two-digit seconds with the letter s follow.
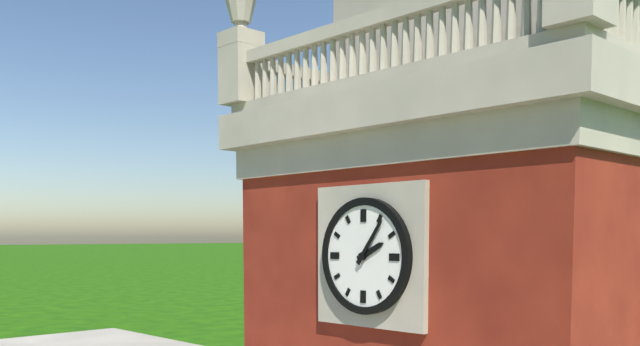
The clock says 2h06
